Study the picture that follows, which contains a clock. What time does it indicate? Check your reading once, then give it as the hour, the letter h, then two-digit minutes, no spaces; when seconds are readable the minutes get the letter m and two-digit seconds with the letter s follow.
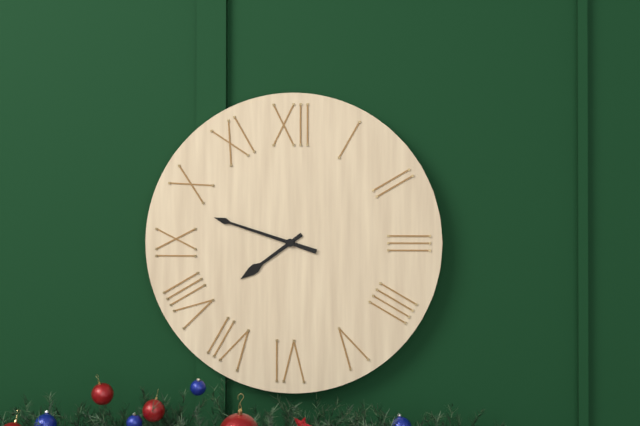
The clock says 7h48
